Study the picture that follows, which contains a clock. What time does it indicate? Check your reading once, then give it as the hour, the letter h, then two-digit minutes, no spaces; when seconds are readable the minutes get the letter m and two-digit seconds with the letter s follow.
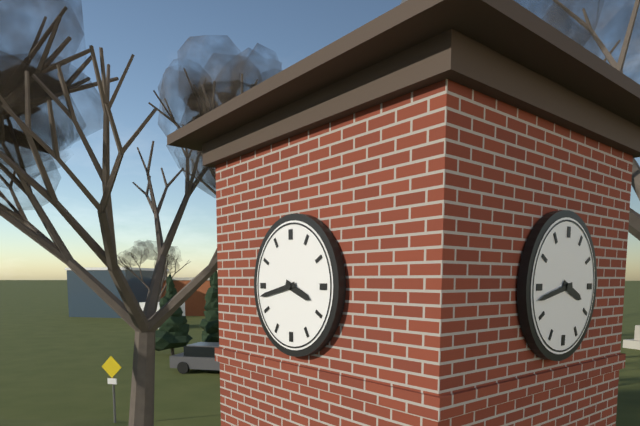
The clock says 3h43
